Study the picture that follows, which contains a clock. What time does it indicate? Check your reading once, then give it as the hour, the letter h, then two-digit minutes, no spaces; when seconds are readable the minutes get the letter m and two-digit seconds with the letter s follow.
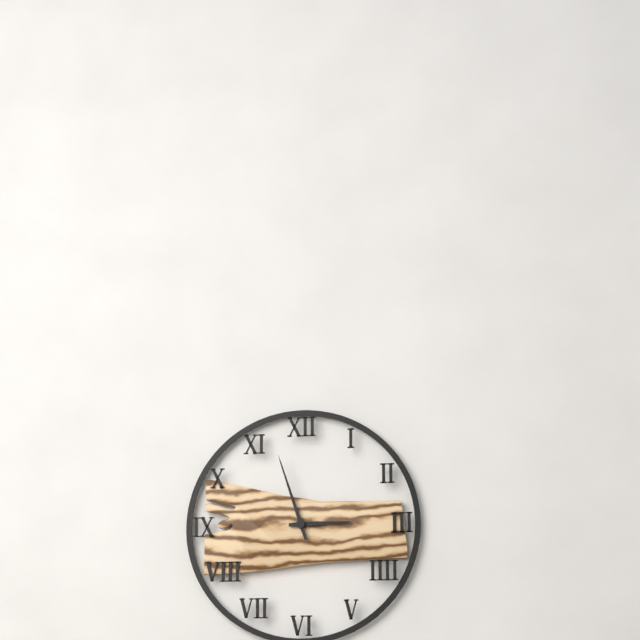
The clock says 2h57
